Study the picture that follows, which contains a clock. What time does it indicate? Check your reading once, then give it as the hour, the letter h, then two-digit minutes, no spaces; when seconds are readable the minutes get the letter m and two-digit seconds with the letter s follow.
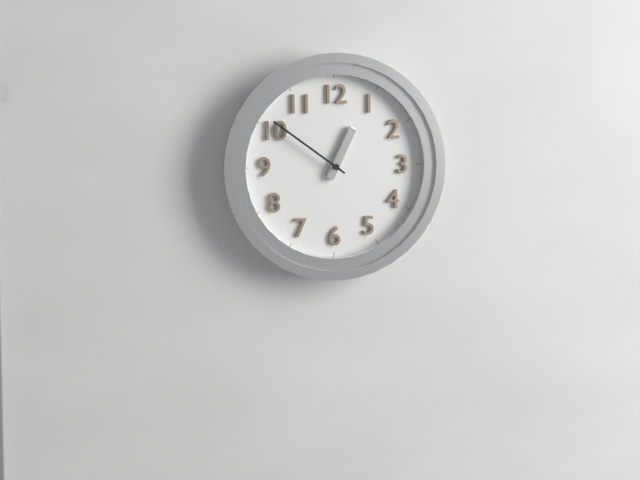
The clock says 12h51
